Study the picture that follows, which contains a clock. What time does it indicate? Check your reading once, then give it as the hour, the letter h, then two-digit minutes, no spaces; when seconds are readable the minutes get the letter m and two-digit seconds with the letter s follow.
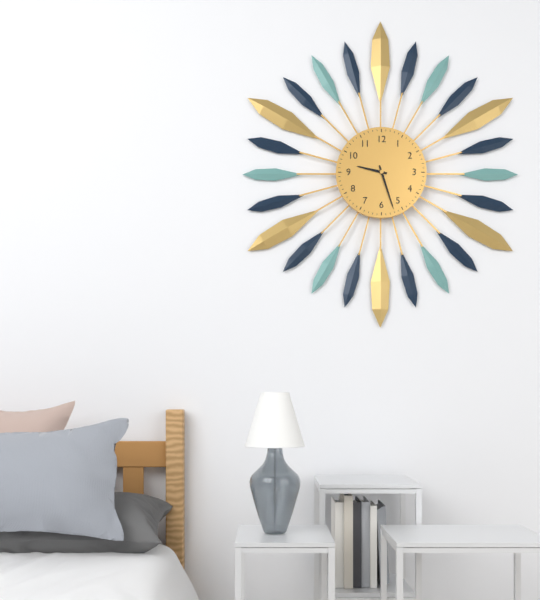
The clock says 9h27
